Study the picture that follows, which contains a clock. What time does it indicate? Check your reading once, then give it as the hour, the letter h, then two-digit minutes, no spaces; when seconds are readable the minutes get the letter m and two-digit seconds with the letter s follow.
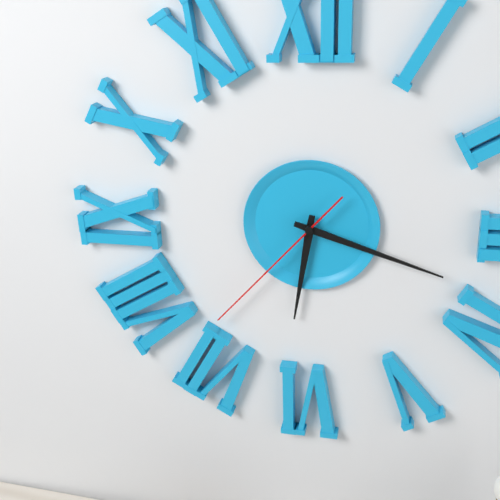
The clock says 6h18m37s
